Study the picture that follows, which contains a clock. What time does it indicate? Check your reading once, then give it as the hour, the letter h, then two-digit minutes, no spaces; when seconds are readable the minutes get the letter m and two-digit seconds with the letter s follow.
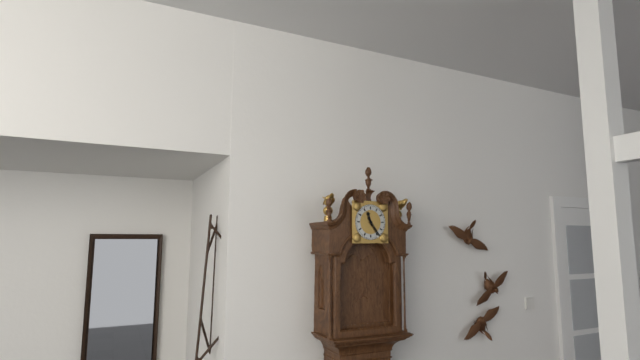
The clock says 11h24
